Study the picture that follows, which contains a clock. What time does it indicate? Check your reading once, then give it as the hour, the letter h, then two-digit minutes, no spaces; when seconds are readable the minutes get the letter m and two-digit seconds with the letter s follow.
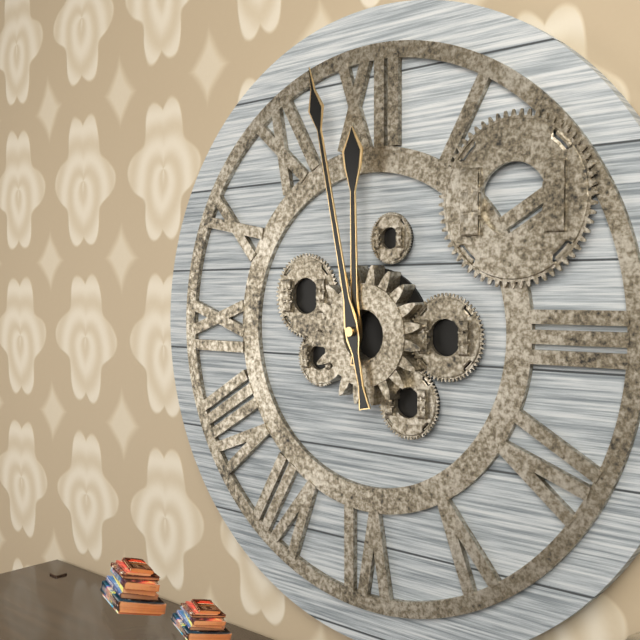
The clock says 11h58
